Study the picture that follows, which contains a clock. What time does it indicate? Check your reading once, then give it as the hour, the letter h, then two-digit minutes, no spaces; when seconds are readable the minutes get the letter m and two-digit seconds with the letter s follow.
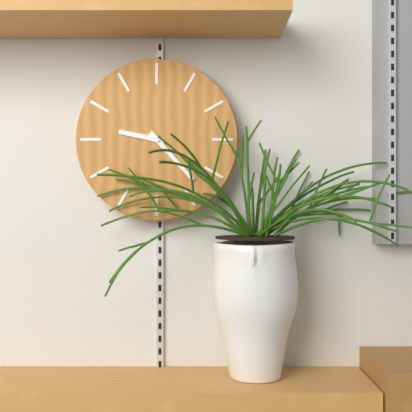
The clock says 9h23
